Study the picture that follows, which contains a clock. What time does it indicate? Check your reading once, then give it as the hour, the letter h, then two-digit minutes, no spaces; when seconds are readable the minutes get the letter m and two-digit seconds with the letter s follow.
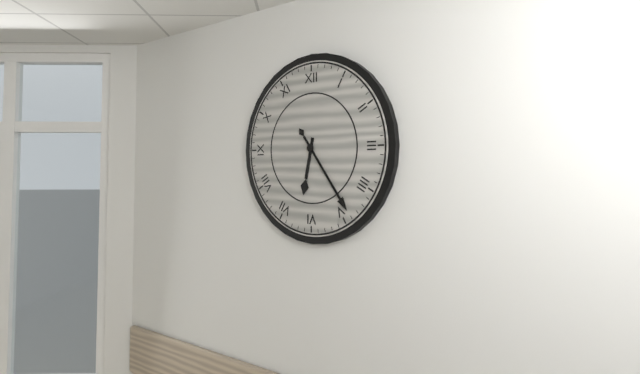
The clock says 6h24
